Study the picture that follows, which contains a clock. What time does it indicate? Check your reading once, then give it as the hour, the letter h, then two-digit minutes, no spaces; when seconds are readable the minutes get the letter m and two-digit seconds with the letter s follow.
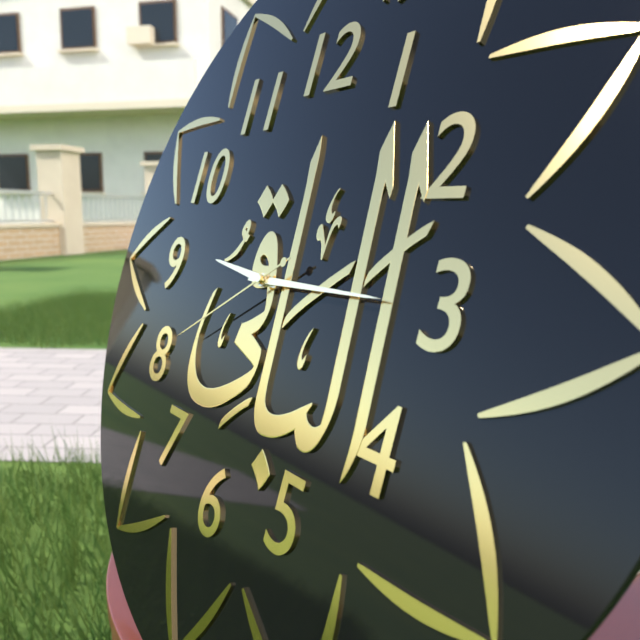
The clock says 9h15m40s
